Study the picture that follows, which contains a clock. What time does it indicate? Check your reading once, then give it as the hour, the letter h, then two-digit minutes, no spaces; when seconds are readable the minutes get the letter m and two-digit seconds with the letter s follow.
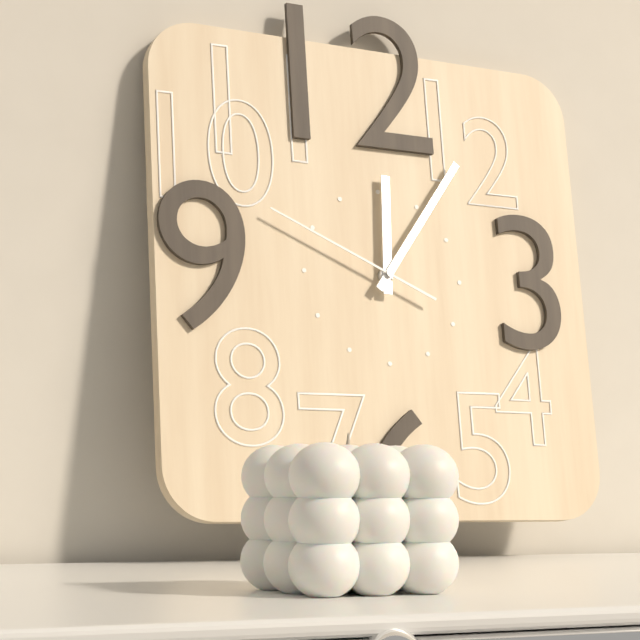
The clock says 12h06m49s
